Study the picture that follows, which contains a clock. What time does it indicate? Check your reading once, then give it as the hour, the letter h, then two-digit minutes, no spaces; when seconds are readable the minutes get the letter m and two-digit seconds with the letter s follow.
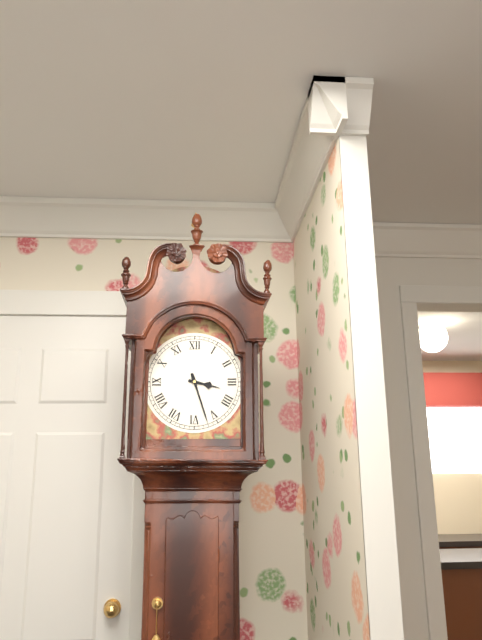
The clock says 3h27
